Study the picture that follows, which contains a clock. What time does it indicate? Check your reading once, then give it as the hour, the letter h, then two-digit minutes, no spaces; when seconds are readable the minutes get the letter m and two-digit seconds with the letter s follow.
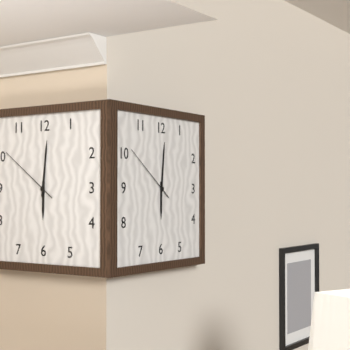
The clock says 6h01m51s
